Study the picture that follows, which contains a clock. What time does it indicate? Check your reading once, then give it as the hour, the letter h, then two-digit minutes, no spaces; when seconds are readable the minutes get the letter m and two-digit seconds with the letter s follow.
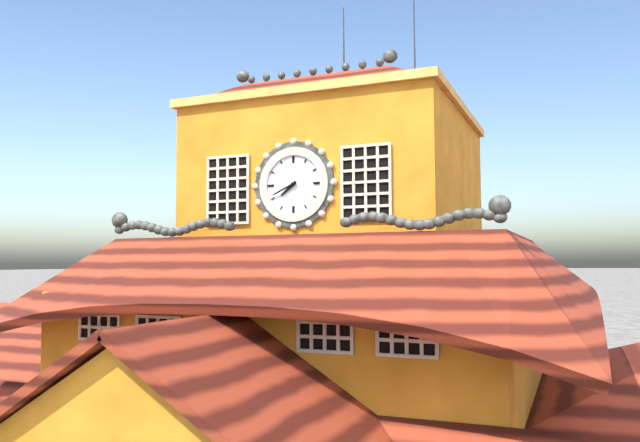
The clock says 7h41
